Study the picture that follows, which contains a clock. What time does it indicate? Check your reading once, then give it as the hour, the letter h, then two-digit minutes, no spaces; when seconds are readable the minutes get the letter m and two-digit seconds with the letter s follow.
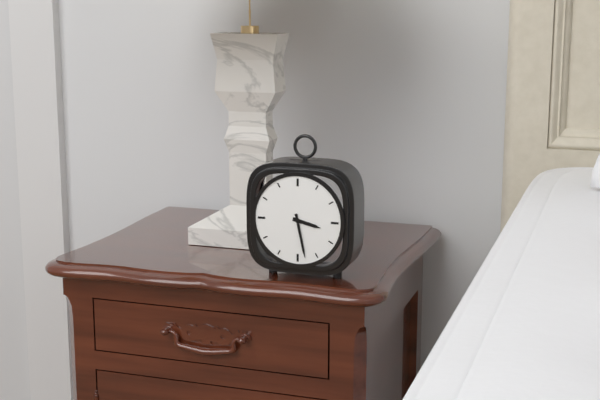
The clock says 3h28
